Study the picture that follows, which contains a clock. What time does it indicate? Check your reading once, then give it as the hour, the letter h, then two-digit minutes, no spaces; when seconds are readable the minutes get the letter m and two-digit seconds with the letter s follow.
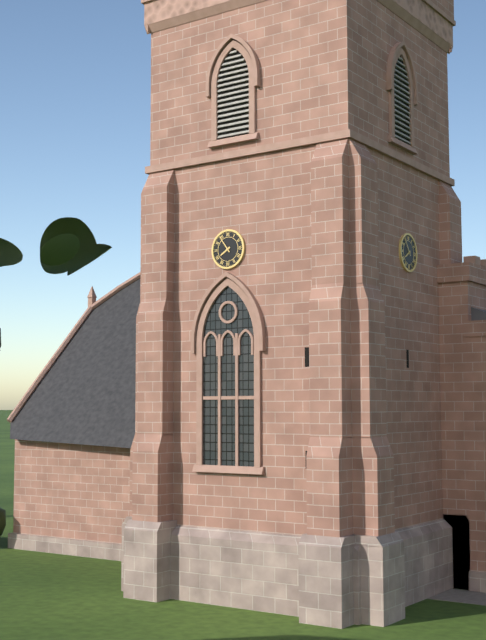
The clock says 7h54
